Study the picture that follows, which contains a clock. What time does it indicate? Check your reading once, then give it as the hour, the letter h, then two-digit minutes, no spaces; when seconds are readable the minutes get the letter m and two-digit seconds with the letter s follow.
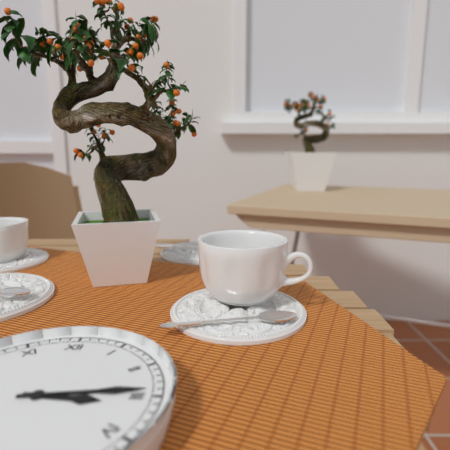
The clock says 3h14
